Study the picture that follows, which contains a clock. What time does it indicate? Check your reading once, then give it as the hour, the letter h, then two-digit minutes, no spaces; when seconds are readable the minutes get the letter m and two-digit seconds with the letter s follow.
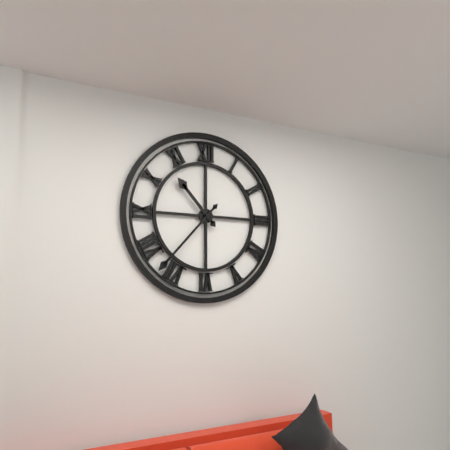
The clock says 10h37
